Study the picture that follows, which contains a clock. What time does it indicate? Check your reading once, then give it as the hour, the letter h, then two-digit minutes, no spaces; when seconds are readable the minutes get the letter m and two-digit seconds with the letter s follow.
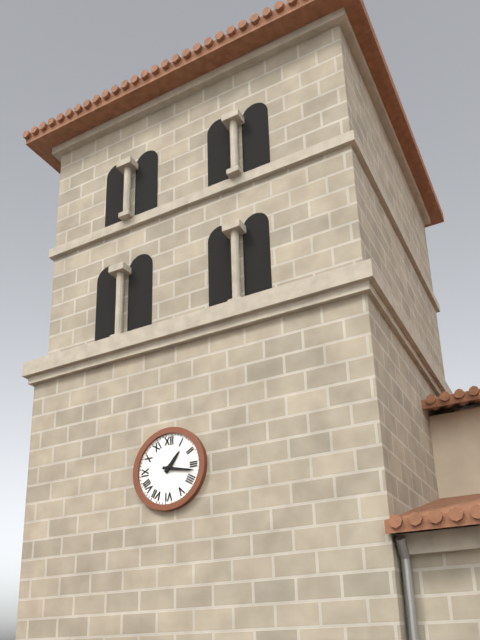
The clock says 1h17
